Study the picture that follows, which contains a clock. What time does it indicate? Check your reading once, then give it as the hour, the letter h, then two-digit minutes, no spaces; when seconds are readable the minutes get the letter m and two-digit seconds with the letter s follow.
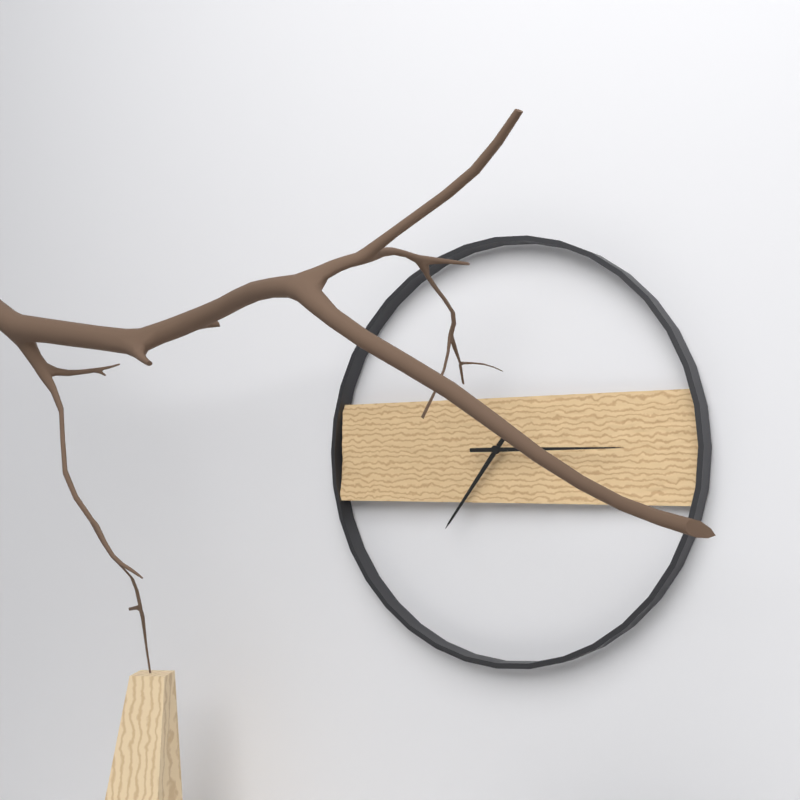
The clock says 7h15
